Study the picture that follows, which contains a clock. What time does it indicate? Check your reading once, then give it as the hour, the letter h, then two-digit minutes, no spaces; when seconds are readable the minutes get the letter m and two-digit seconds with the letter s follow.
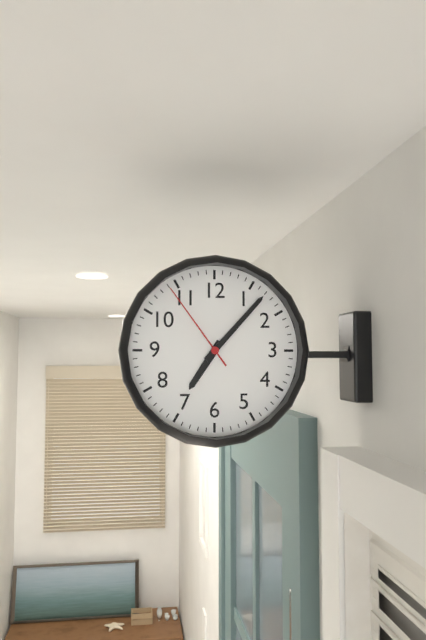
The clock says 7h07m54s
